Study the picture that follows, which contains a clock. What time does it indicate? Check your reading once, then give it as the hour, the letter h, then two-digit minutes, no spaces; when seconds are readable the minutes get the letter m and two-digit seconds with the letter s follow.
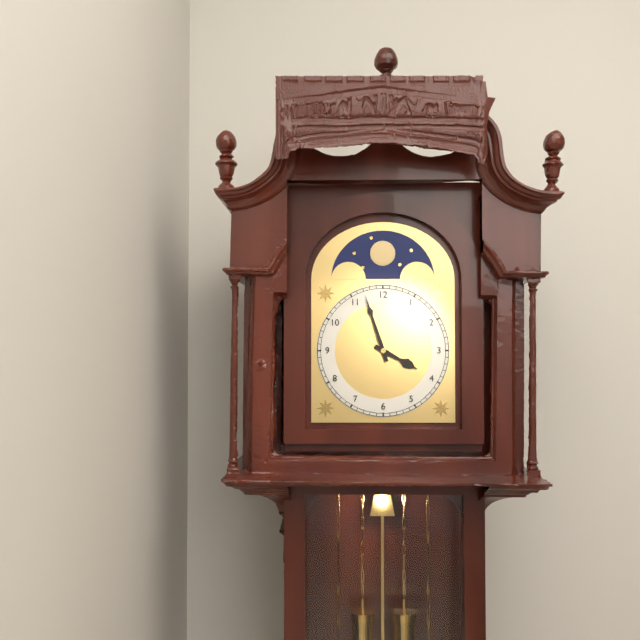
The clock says 3h57
